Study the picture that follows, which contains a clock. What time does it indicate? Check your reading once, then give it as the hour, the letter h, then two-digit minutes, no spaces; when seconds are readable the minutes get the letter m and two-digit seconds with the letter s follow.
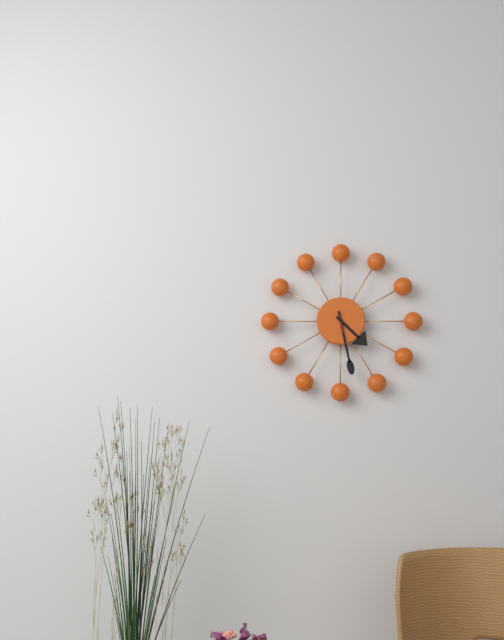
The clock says 4h28
